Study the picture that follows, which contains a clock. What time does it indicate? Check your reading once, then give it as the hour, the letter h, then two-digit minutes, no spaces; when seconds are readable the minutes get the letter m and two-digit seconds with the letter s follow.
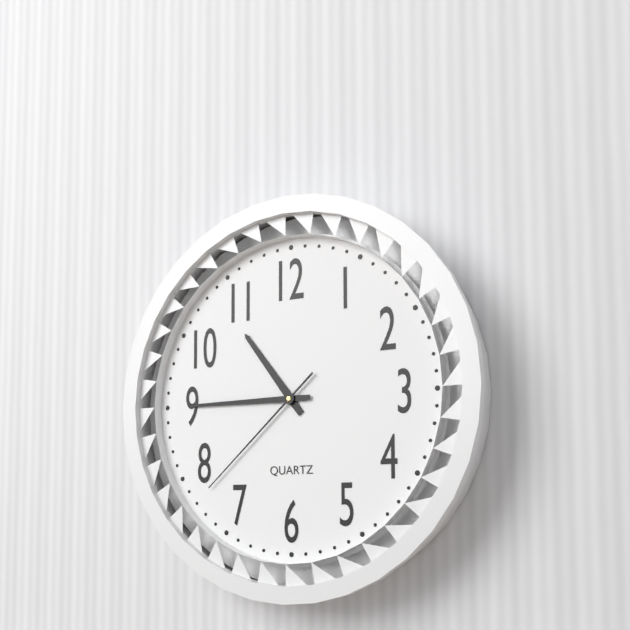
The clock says 10h45m38s
